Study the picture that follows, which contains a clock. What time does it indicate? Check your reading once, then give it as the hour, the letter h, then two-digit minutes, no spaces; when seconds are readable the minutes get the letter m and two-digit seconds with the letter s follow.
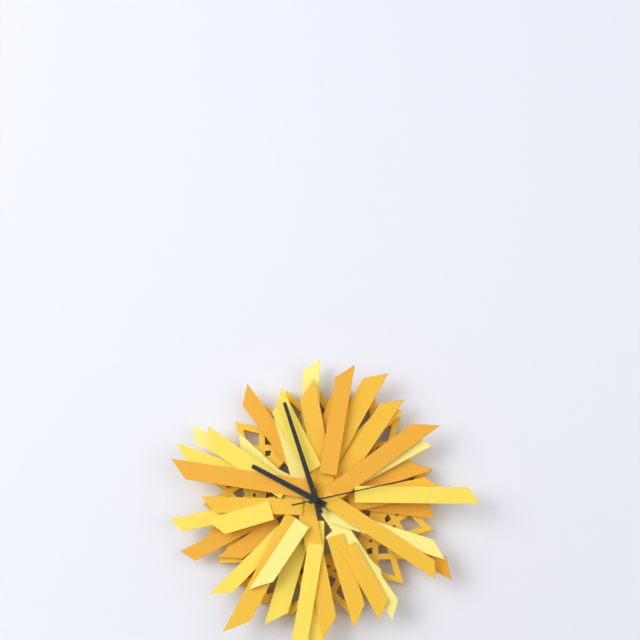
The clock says 9h57m13s
